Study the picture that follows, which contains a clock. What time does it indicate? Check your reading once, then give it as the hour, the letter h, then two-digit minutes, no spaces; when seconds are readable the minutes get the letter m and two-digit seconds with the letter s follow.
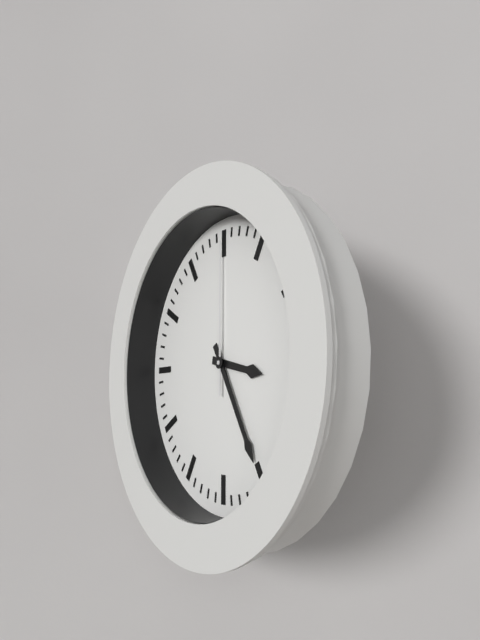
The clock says 3h25m00s
